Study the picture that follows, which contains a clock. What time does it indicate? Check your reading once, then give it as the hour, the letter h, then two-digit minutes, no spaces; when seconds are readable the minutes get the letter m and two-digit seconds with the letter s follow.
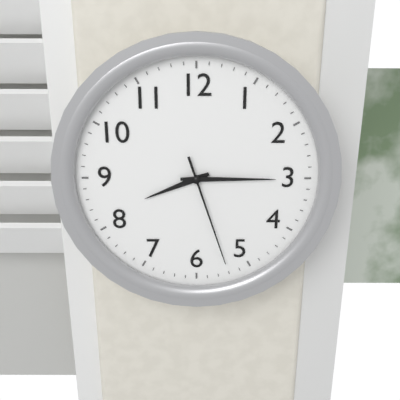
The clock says 8h15m27s
